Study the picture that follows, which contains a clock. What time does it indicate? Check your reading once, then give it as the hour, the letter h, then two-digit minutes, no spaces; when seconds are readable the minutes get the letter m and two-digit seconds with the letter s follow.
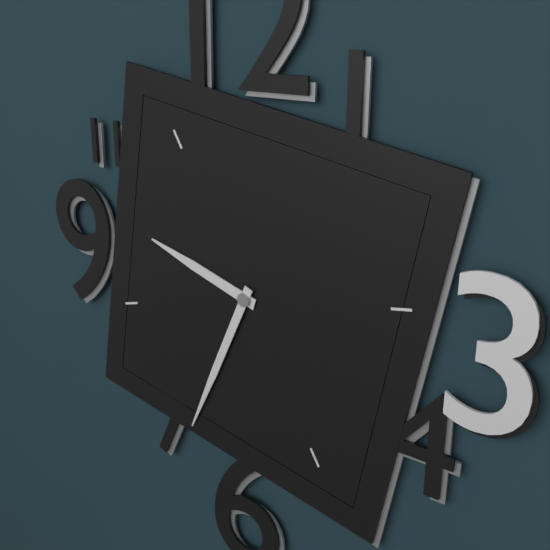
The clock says 9h34
